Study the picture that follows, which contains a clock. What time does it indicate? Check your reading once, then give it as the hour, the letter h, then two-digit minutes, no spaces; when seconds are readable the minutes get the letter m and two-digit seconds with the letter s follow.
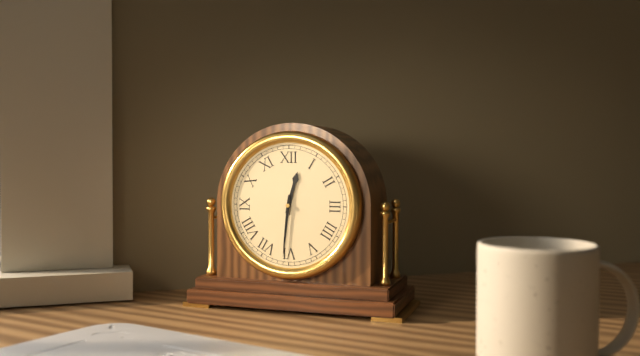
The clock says 12h31
